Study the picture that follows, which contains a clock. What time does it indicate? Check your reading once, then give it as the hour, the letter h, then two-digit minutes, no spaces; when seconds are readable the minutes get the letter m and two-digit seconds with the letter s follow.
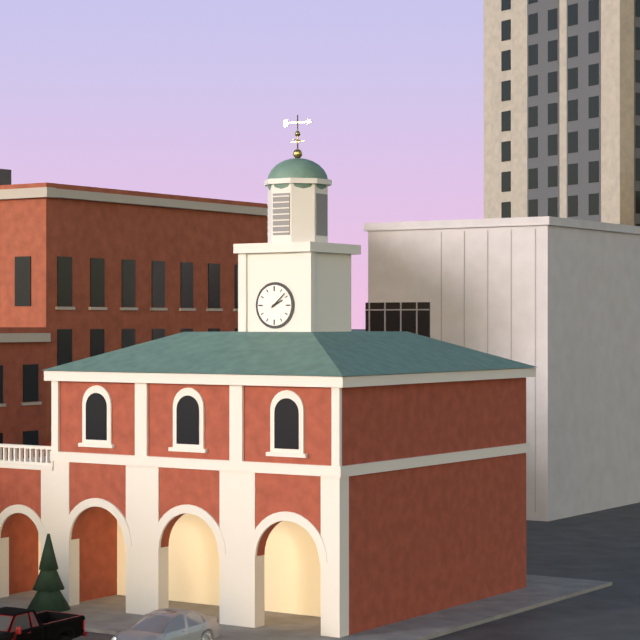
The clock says 2h08
